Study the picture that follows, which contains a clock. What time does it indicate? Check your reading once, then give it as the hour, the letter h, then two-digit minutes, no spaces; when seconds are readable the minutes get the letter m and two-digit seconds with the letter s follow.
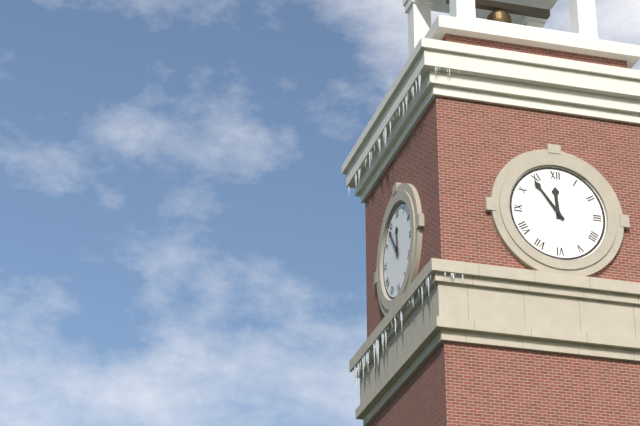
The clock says 11h54
